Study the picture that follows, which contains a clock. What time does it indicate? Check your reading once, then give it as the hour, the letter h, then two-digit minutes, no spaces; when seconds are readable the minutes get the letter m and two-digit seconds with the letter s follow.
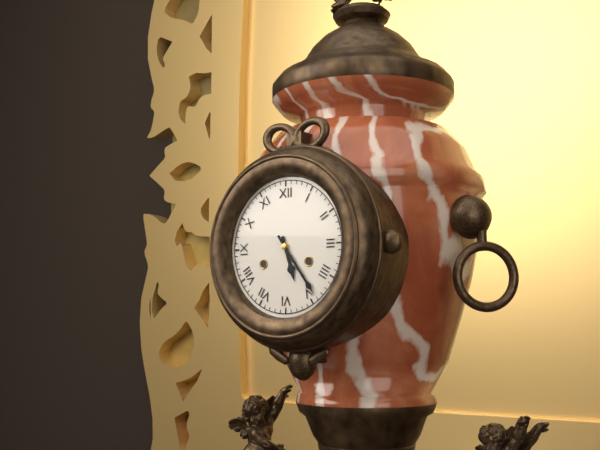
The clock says 5h24
